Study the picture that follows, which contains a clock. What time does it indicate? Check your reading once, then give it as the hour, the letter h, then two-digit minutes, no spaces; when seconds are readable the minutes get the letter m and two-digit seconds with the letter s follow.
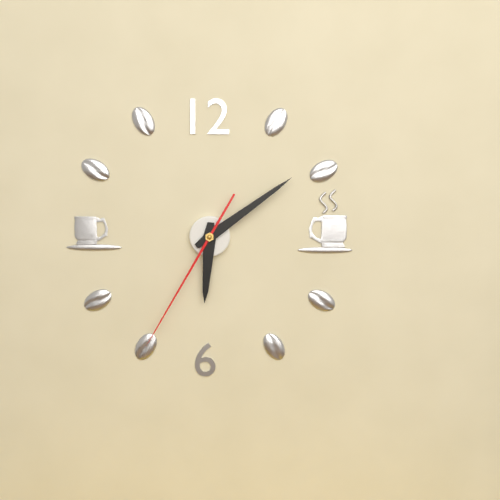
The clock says 6h09m35s
